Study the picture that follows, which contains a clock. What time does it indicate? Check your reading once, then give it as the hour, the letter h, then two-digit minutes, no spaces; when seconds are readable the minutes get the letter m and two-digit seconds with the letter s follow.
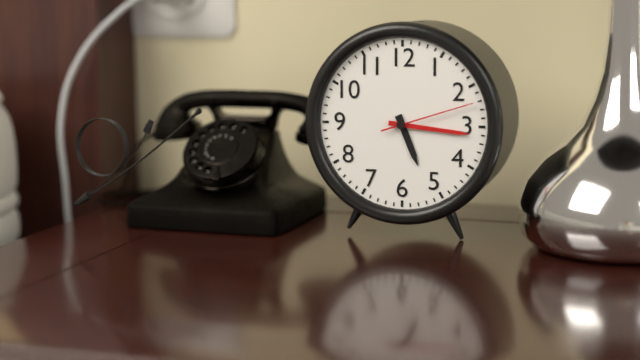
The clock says 5h16m12s
